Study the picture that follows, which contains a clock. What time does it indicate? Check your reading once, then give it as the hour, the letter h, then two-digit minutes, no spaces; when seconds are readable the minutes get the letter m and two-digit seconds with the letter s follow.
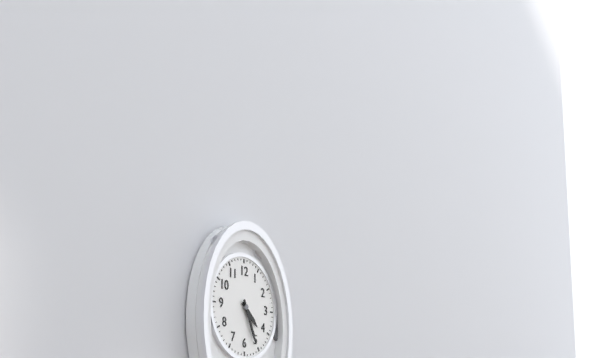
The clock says 4h26
